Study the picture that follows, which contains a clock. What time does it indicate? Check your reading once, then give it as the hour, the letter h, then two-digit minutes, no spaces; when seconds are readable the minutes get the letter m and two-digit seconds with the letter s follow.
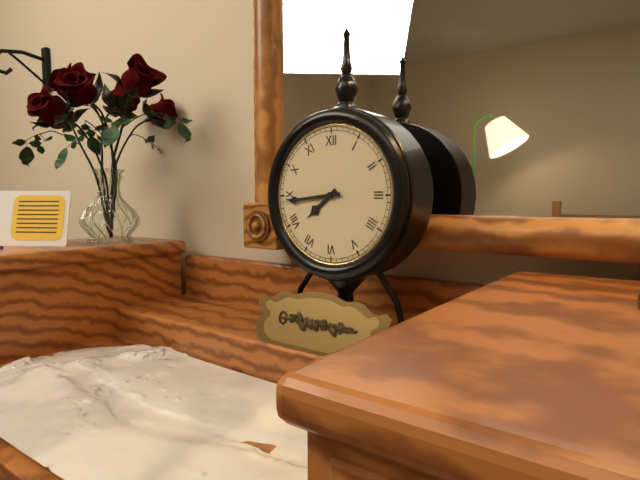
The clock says 7h44
